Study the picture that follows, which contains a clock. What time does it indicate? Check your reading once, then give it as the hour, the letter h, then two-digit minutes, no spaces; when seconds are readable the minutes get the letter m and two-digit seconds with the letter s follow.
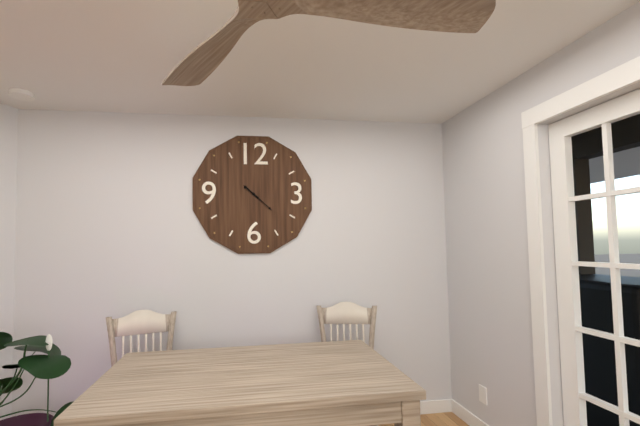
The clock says 10h22
